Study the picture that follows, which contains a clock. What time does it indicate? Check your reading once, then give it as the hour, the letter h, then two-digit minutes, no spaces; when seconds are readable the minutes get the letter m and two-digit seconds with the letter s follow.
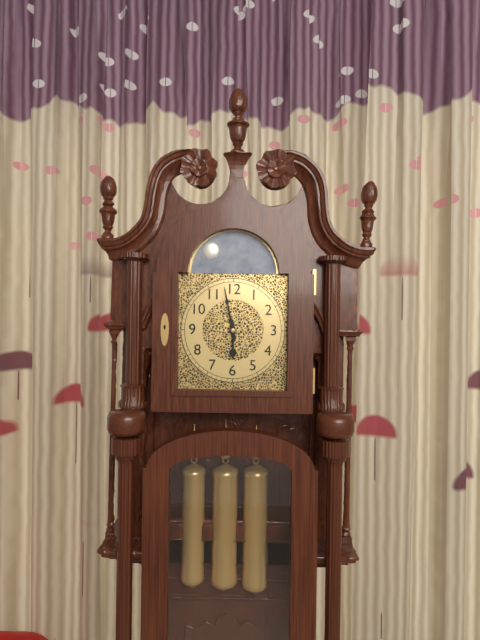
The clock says 5h58
